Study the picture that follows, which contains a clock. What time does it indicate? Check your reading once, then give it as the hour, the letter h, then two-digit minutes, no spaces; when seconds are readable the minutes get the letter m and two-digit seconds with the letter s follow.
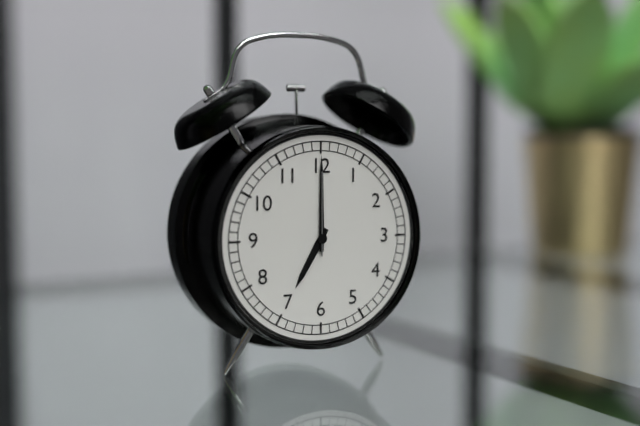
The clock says 7h00m00s
